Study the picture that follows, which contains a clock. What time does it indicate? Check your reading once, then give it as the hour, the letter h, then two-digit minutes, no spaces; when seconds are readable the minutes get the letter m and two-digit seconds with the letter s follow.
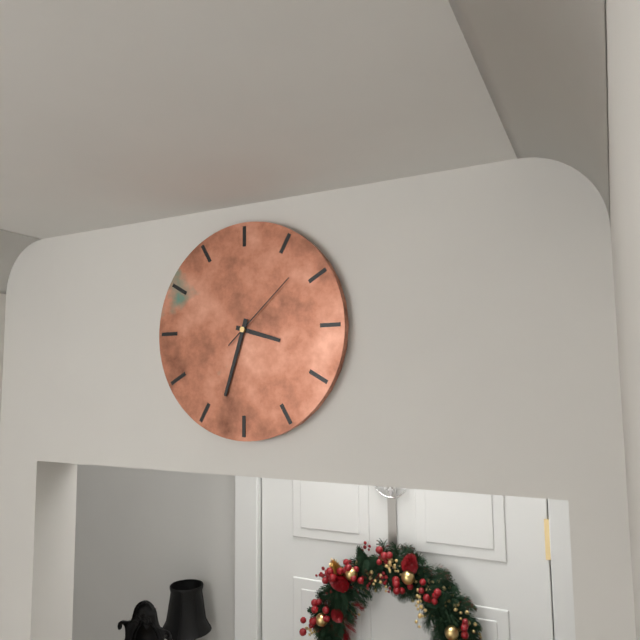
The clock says 3h33m08s
